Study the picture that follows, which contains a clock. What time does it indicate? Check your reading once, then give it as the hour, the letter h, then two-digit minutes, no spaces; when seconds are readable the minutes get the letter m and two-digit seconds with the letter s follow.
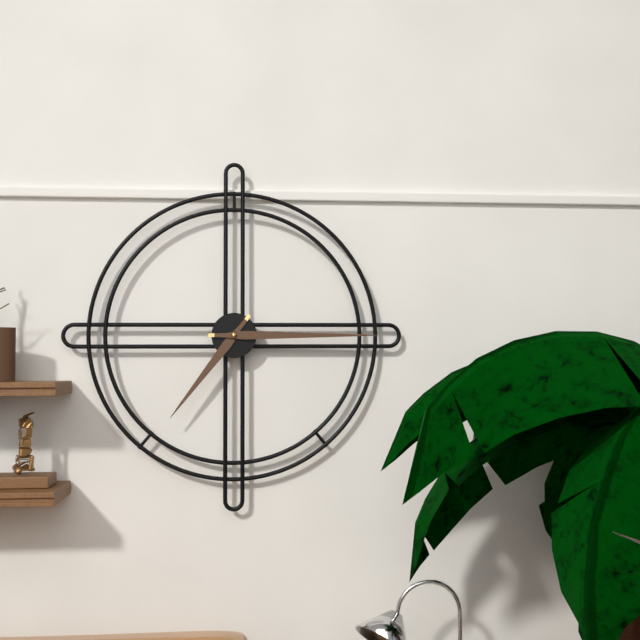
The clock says 7h15
